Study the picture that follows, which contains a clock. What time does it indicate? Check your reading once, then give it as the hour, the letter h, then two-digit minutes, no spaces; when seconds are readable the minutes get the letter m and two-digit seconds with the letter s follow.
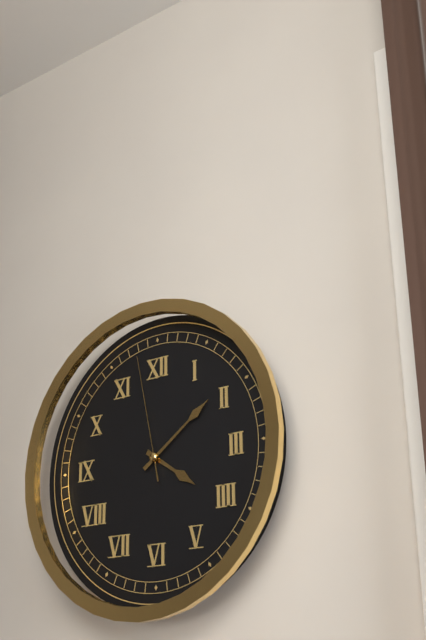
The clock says 4h09m58s
